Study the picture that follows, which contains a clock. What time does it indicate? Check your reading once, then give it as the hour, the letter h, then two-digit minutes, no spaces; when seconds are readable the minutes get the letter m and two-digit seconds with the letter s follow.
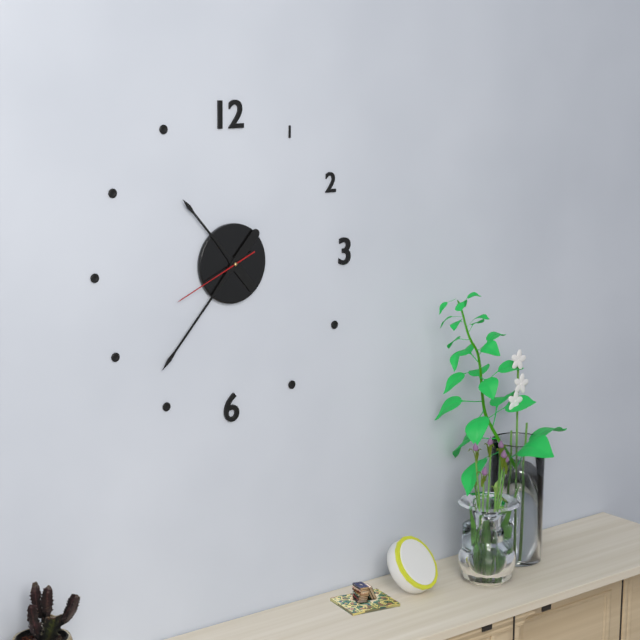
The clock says 10h37m41s
